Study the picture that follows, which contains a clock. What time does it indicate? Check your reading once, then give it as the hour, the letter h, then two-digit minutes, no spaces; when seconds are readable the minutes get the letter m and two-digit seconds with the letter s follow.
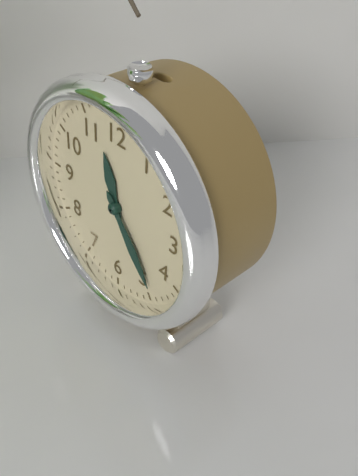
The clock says 11h24
